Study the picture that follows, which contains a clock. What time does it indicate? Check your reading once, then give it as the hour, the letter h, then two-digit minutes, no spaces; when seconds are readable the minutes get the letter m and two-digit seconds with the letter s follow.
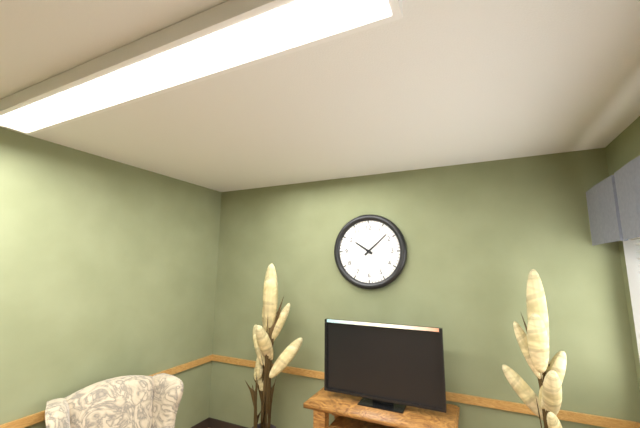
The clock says 10h08
